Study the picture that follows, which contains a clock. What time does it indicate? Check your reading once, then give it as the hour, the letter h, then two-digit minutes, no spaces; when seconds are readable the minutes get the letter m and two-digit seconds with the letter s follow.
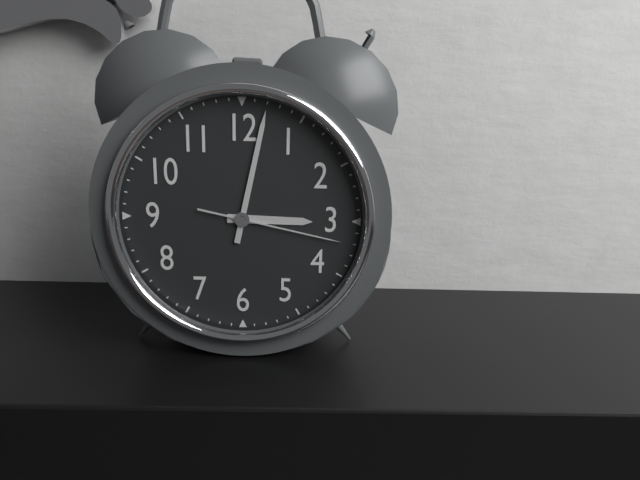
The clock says 3h02m17s
